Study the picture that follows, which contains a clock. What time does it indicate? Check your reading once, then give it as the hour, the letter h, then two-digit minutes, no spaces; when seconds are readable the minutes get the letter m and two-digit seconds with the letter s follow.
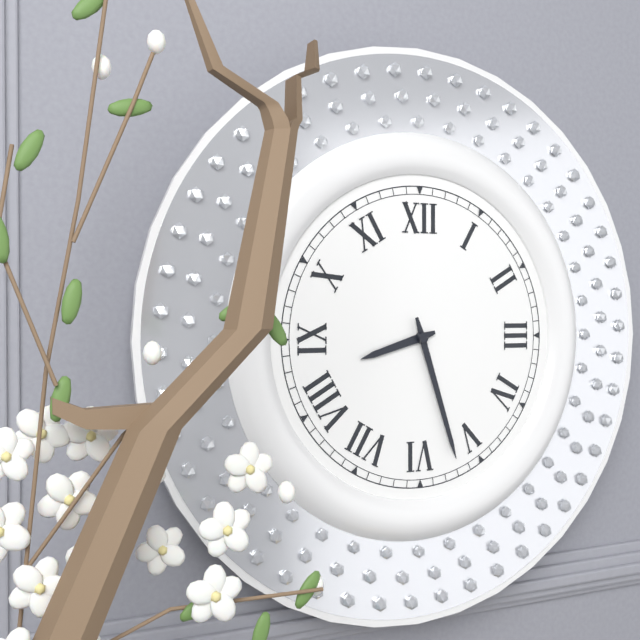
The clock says 8h27
